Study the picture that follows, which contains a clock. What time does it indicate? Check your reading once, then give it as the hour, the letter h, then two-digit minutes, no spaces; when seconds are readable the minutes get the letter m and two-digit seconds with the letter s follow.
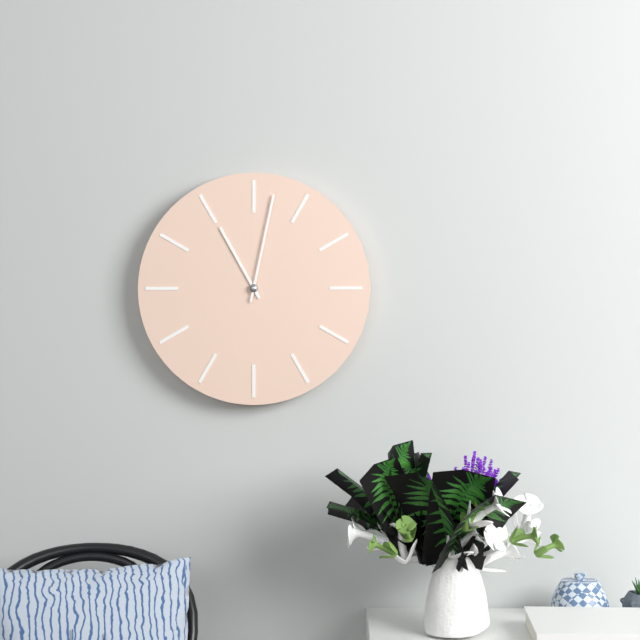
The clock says 11h02
